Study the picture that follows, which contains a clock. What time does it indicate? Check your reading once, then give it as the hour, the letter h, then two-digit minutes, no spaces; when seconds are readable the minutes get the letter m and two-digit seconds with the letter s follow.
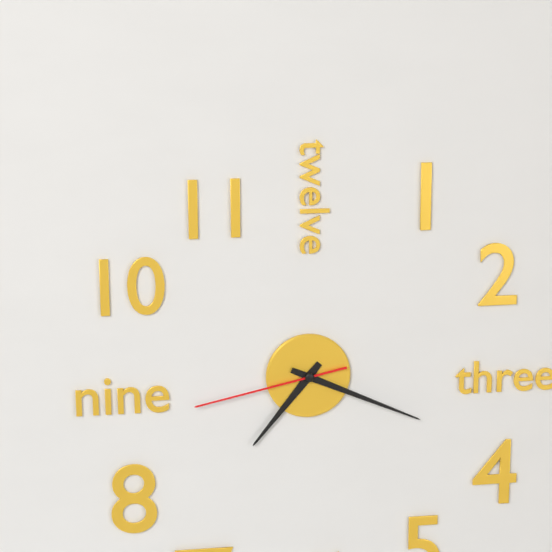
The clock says 7h19m43s
